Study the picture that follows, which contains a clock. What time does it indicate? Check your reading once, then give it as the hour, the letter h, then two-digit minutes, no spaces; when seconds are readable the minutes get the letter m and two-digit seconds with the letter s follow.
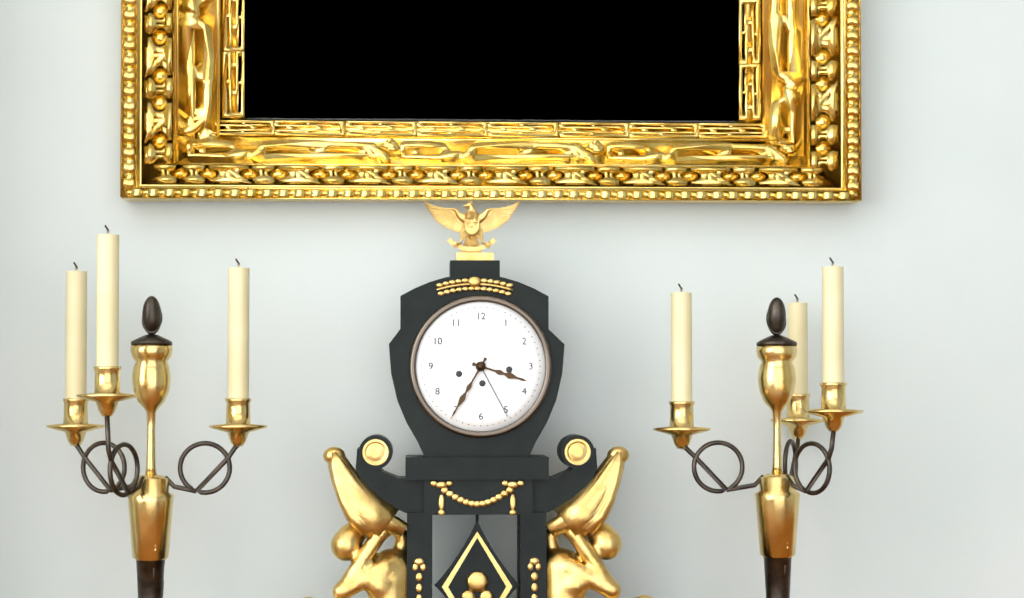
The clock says 3h35
